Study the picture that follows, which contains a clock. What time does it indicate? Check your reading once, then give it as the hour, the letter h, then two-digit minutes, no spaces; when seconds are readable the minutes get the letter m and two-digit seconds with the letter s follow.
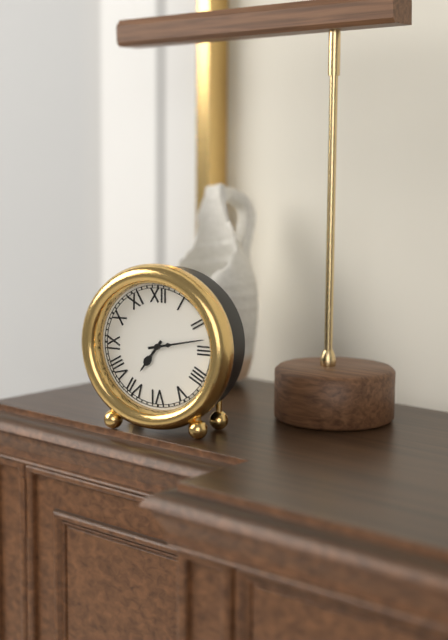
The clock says 7h13
